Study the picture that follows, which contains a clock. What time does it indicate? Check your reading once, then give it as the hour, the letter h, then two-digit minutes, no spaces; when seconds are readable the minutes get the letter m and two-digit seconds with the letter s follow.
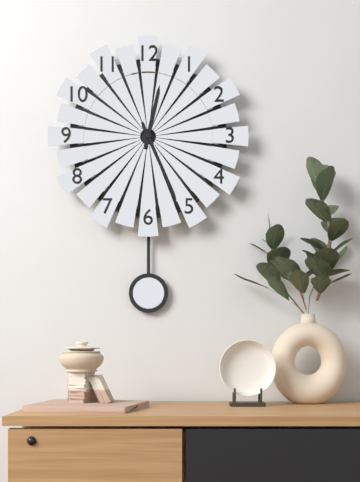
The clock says 12h26
